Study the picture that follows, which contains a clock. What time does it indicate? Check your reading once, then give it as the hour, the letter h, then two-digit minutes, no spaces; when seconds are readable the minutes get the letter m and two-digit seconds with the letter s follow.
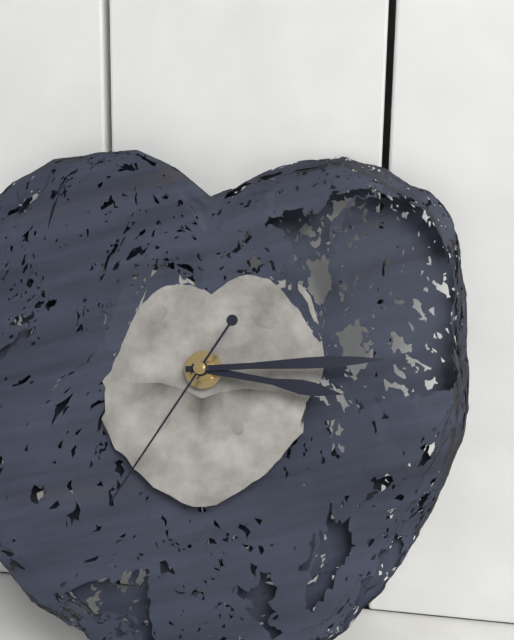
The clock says 3h14m35s
